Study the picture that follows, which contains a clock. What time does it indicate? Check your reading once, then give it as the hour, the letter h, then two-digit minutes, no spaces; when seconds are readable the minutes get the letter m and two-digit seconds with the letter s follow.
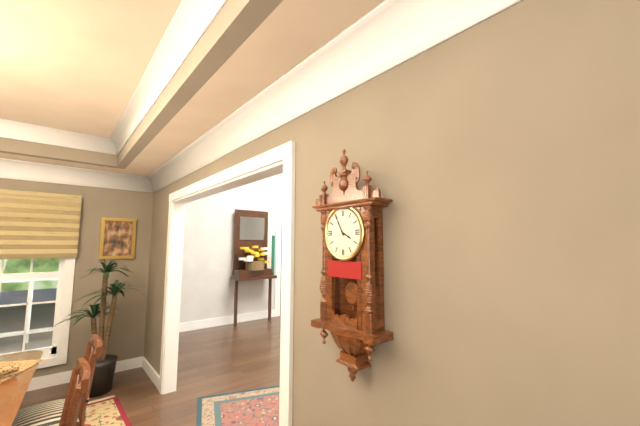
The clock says 3h55
